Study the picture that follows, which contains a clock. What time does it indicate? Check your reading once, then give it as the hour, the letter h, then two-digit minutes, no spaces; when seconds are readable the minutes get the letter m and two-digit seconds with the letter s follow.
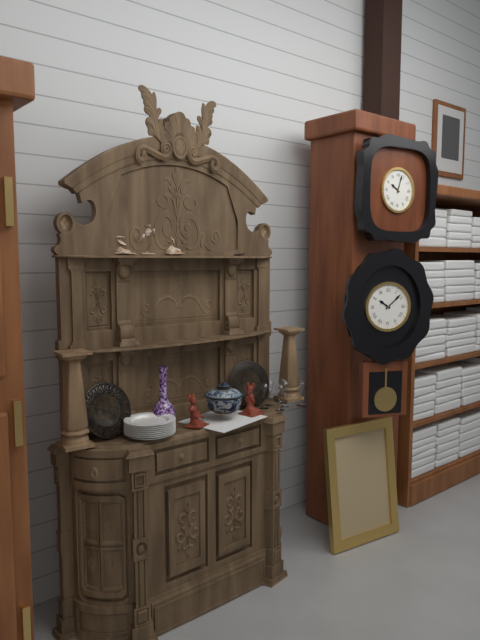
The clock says 10h03
